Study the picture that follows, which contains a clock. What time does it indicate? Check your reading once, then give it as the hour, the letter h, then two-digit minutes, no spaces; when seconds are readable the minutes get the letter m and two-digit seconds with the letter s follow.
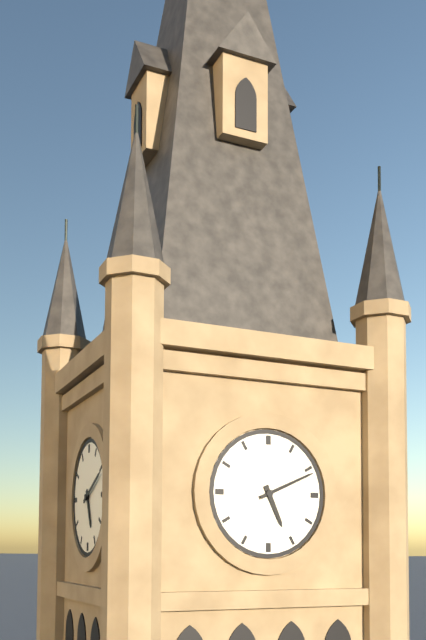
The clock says 5h11
